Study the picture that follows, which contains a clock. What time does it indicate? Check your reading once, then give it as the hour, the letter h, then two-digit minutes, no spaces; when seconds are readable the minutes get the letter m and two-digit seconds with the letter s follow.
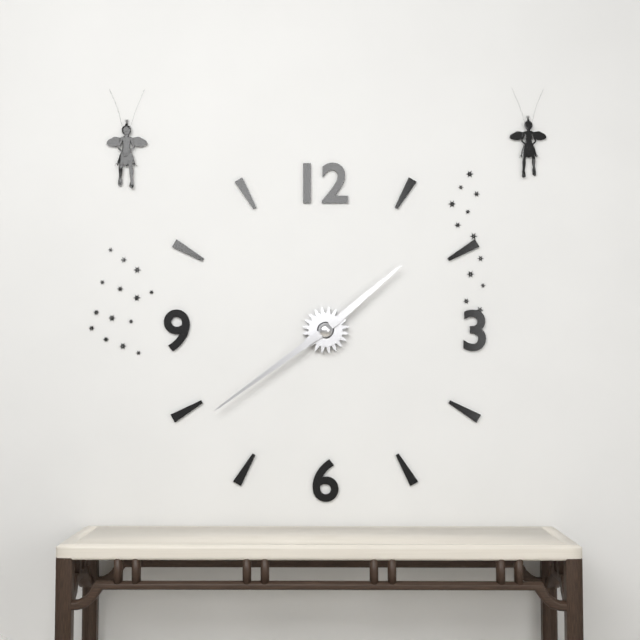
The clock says 1h39
